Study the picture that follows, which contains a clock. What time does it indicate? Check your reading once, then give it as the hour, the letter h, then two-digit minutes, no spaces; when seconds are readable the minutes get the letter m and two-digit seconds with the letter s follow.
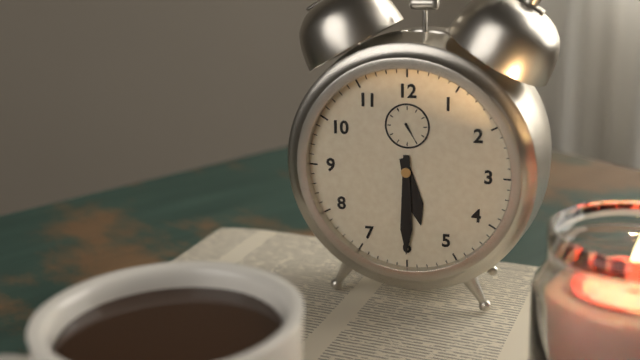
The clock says 5h30
